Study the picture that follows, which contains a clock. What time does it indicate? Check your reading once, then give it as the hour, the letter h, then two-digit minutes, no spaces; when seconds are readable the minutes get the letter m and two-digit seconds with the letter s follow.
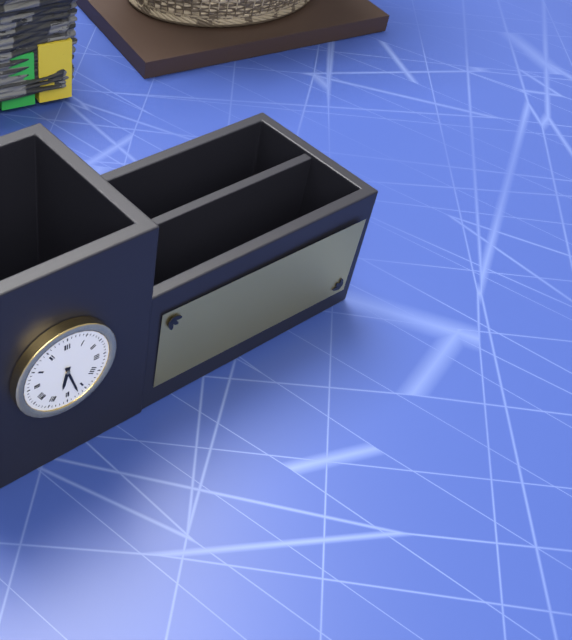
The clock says 6h27
